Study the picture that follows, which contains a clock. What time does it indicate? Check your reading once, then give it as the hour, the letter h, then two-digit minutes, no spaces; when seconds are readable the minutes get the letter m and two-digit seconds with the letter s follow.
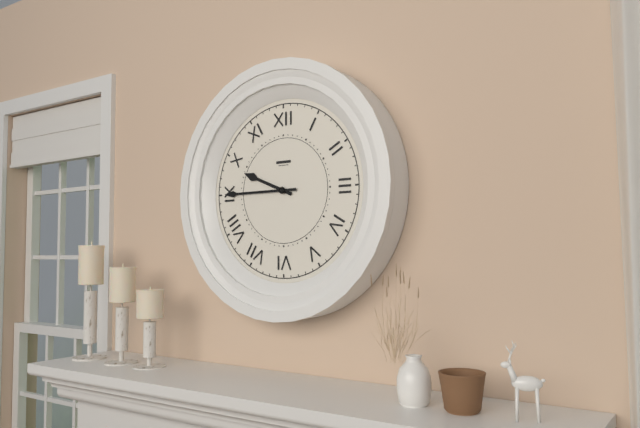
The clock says 9h45
